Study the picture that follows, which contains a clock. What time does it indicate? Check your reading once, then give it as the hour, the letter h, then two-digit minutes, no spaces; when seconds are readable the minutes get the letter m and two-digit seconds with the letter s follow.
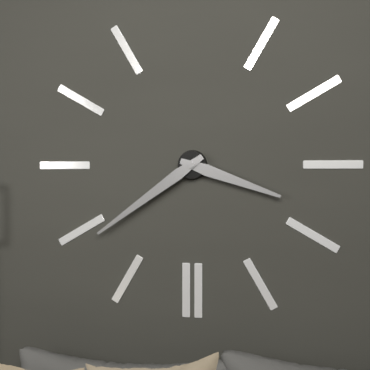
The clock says 3h39
